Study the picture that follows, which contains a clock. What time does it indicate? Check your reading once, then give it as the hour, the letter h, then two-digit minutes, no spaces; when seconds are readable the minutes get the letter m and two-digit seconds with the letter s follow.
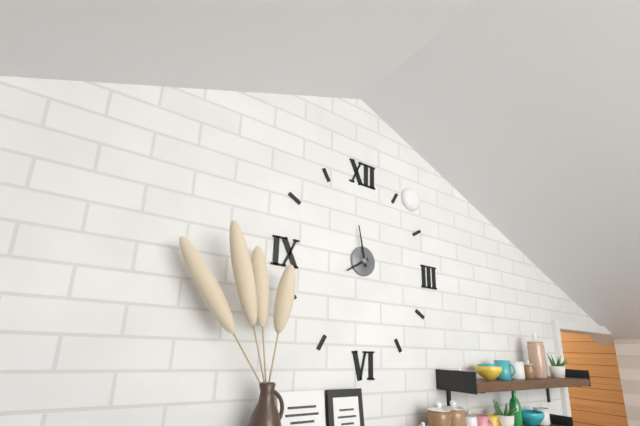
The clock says 7h58
